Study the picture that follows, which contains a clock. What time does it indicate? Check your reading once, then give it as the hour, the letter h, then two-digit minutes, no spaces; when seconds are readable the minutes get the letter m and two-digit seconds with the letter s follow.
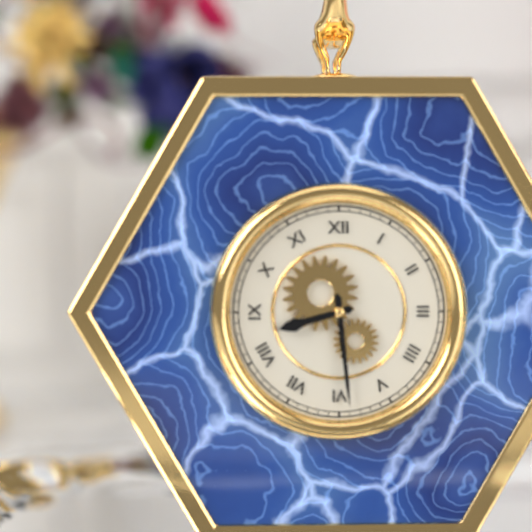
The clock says 8h29
